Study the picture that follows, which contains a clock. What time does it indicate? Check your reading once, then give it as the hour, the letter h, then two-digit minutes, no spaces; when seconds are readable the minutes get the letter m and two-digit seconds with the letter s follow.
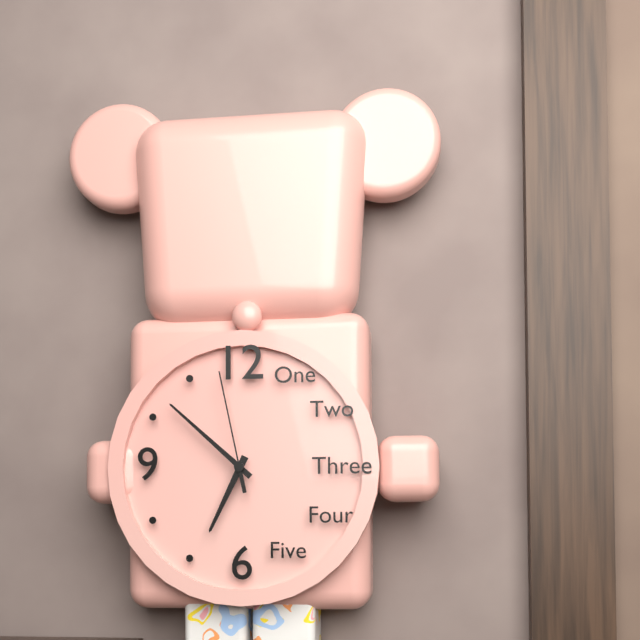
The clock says 6h52m58s
